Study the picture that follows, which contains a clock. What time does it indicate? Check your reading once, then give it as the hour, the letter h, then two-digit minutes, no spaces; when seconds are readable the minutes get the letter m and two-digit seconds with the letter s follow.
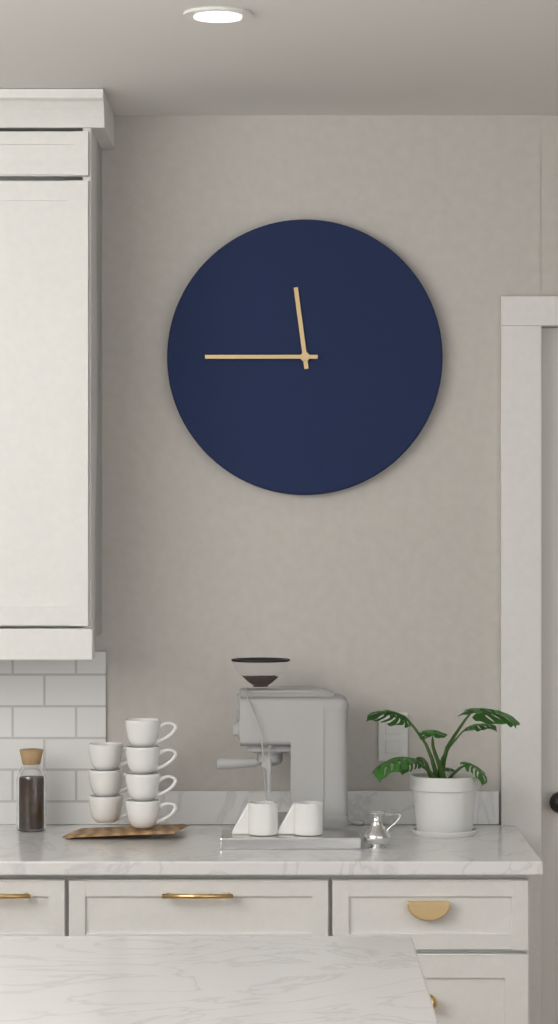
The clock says 11h45
